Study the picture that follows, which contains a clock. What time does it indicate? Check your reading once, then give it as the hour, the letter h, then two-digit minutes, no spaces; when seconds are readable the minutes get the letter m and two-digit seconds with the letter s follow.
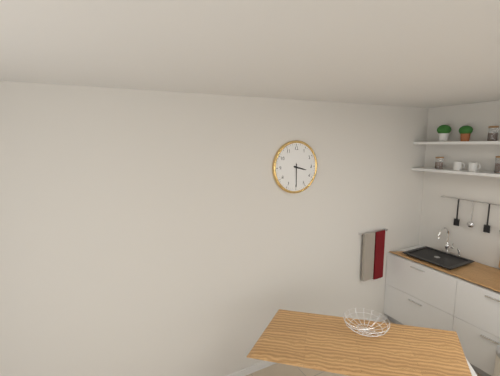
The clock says 3h30
